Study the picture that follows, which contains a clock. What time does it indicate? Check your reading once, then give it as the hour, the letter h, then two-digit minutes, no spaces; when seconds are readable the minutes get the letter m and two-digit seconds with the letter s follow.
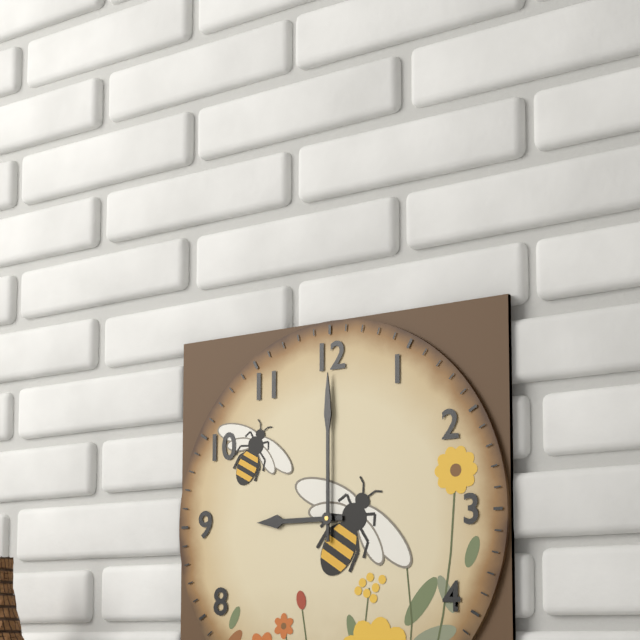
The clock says 9h00
